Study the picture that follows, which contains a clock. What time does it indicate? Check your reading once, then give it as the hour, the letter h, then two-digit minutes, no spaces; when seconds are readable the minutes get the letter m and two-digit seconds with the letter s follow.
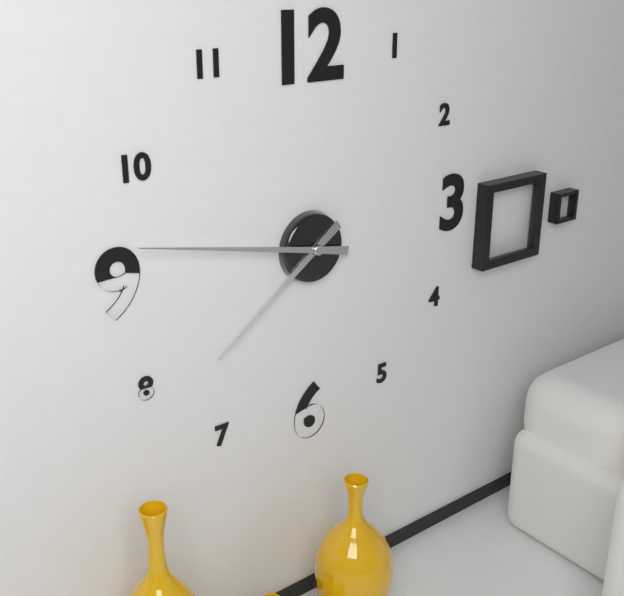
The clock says 7h47
